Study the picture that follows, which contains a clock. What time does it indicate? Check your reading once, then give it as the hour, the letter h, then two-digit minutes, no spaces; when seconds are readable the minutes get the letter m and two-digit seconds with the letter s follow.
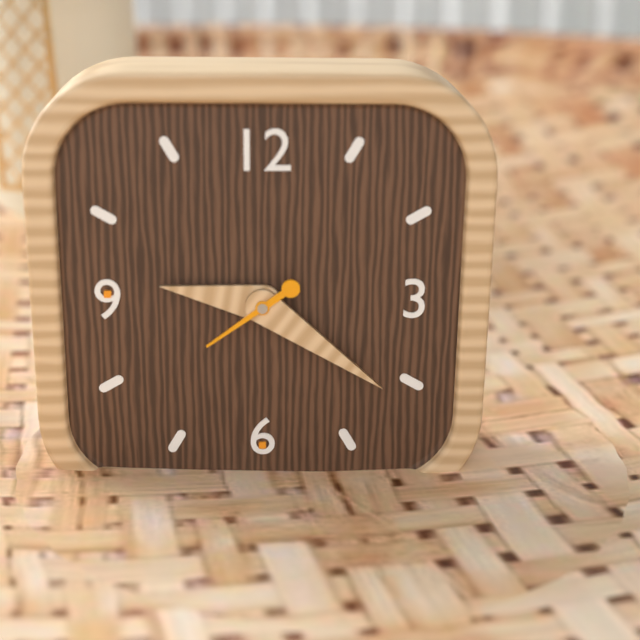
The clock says 9h21m39s
